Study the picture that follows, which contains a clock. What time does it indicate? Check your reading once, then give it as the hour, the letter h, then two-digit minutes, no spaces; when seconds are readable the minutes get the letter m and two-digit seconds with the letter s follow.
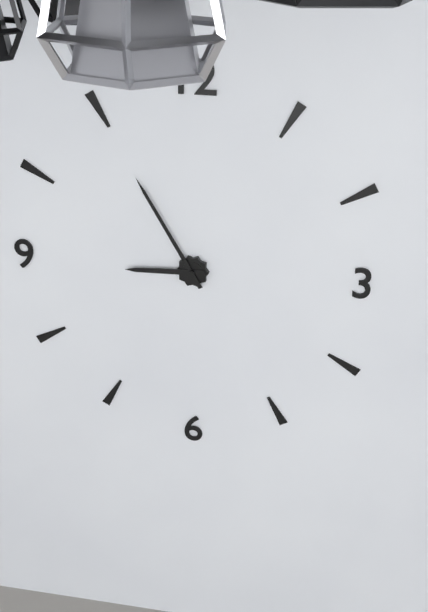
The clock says 8h55
